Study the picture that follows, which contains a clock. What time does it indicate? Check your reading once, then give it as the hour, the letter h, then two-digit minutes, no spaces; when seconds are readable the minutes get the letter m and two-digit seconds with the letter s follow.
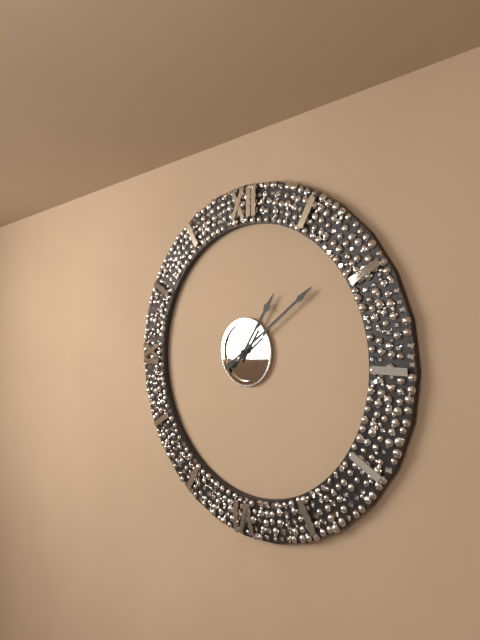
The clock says 1h09
